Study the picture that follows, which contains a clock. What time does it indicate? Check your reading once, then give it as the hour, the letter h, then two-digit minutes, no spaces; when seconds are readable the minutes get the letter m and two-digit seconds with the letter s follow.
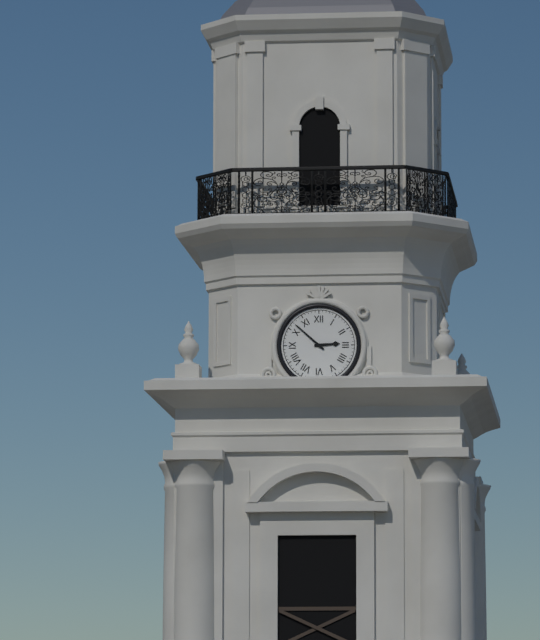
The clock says 2h52
